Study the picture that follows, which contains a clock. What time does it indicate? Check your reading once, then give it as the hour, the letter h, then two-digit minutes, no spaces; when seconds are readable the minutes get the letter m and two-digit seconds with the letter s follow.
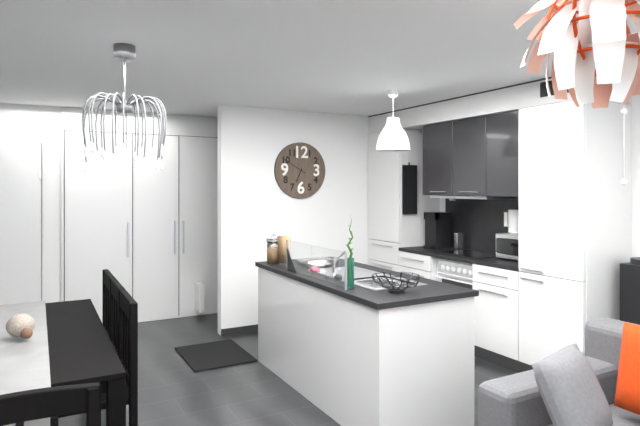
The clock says 6h50
